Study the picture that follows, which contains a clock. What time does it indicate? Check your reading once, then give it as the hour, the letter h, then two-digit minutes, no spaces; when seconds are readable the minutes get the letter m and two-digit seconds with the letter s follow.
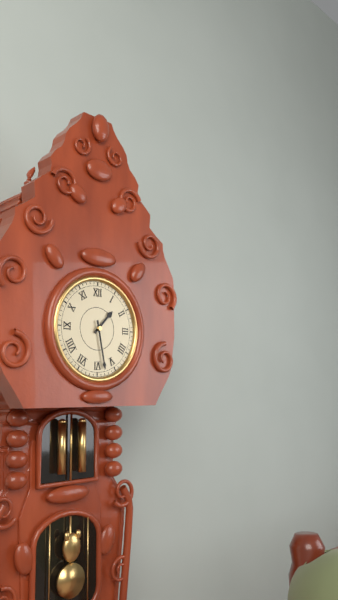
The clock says 1h28
